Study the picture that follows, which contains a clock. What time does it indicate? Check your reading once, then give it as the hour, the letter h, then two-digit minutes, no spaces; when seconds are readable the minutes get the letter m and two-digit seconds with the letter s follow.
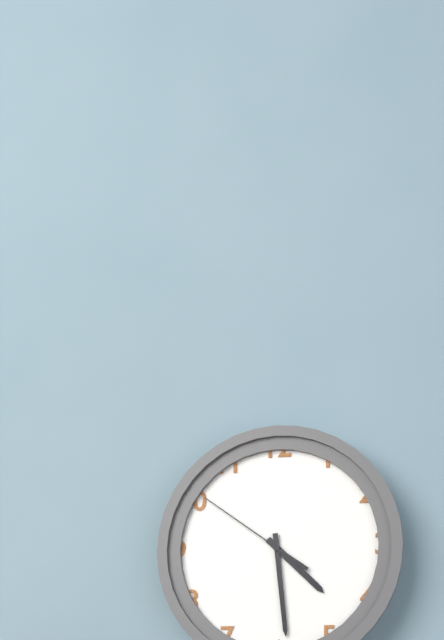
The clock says 4h29m51s
